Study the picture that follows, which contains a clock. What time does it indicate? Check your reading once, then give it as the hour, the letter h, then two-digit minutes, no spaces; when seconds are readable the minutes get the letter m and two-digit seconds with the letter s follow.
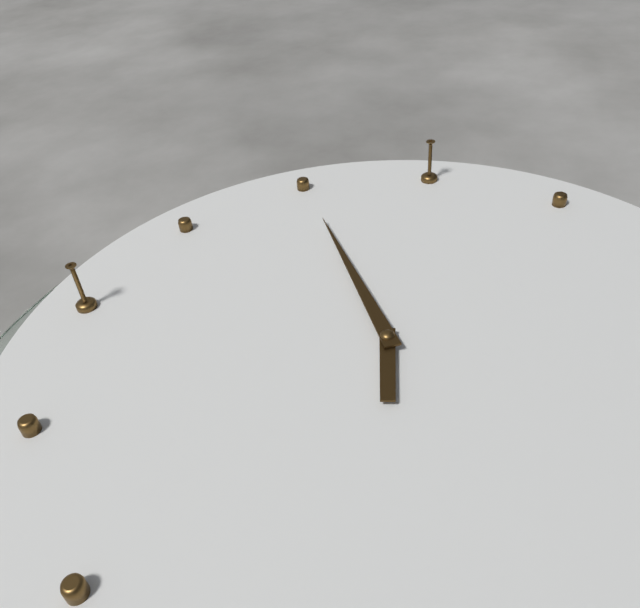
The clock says 2h40
